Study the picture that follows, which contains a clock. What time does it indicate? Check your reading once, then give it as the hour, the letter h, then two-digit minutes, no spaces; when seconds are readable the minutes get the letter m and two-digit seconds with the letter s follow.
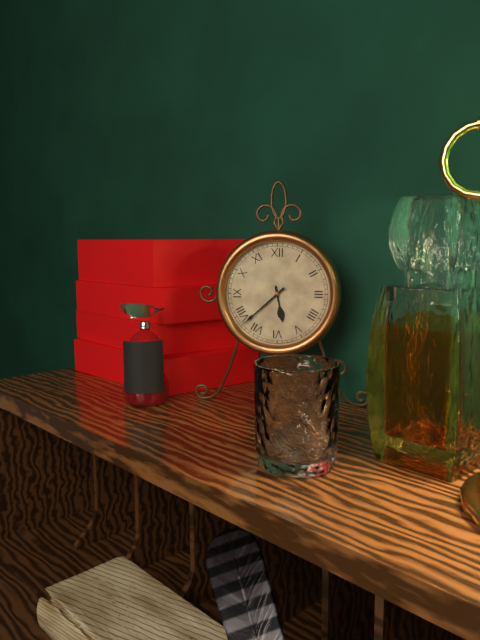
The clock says 5h38
